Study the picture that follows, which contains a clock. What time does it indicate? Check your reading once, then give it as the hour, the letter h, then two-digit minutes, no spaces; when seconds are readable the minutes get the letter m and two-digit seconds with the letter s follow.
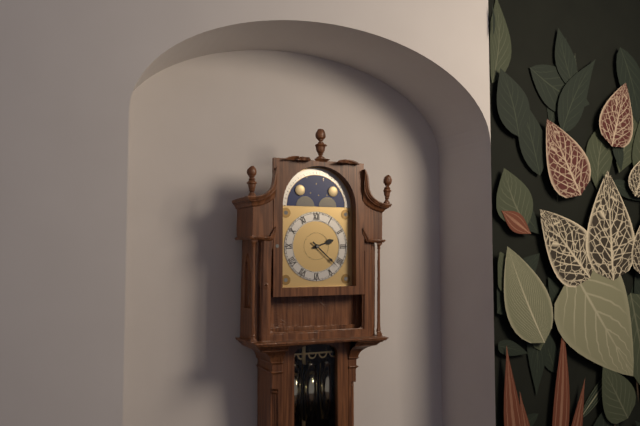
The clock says 2h22
